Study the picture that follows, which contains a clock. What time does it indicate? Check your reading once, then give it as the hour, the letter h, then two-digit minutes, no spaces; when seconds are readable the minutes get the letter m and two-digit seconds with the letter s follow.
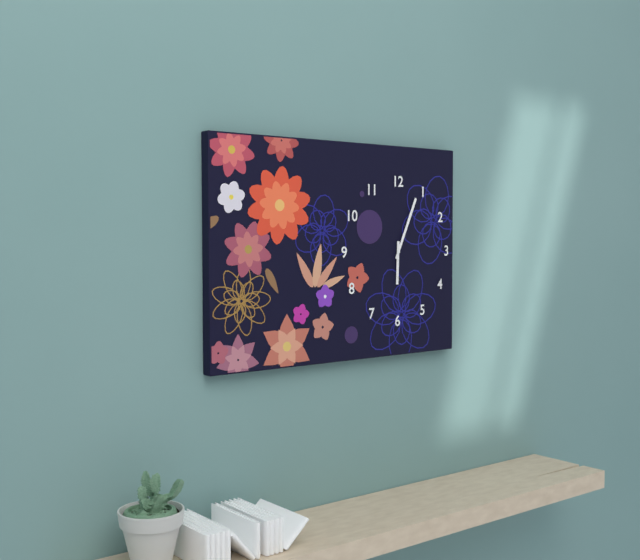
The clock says 6h04
